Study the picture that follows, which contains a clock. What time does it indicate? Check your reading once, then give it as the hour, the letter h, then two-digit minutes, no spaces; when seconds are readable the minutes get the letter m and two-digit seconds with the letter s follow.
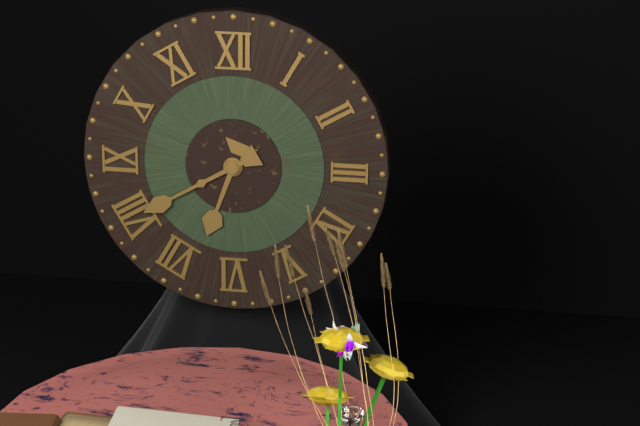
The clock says 6h40
